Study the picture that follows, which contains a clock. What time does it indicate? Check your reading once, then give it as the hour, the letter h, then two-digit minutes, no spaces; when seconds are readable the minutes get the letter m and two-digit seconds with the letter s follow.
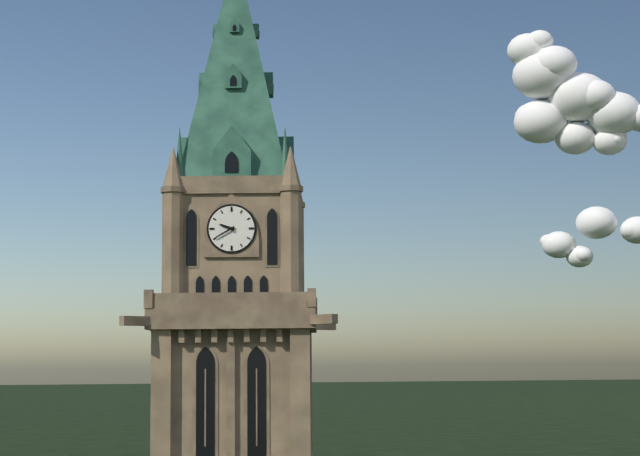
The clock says 9h40
